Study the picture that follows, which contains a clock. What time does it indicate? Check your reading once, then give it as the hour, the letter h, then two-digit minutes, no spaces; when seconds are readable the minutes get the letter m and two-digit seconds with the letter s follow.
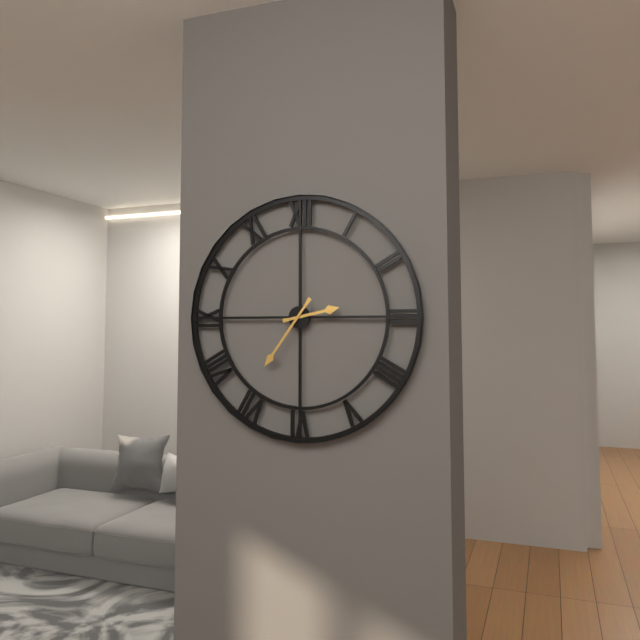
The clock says 2h36
